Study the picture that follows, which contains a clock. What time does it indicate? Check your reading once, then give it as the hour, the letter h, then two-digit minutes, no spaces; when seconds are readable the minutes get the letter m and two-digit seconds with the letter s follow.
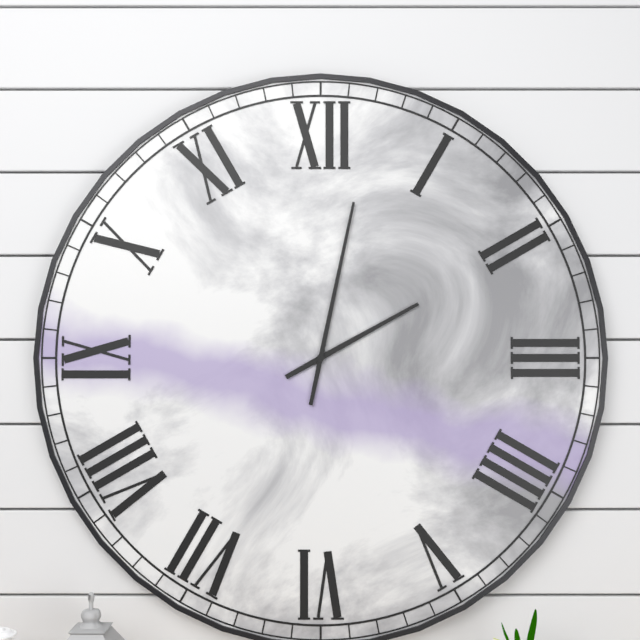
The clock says 2h02
